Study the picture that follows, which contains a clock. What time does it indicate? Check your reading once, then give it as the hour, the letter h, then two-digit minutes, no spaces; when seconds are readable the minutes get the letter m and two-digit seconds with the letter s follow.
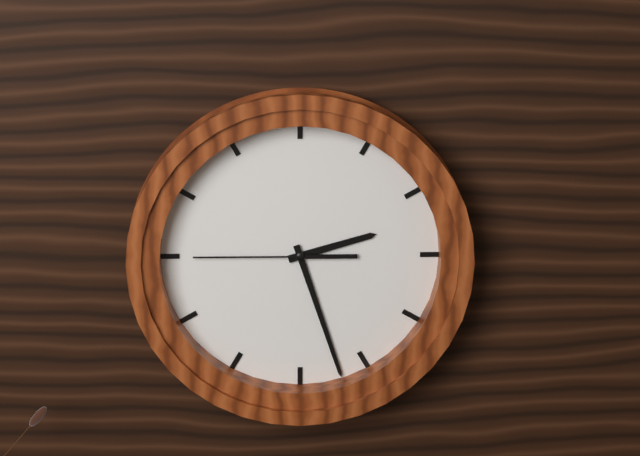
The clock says 2h27m45s
